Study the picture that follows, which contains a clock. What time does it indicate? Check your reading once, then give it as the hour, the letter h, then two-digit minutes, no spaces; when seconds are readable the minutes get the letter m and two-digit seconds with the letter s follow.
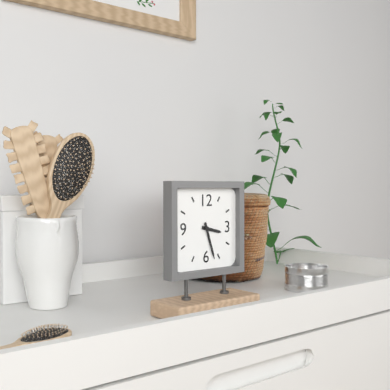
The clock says 3h27
